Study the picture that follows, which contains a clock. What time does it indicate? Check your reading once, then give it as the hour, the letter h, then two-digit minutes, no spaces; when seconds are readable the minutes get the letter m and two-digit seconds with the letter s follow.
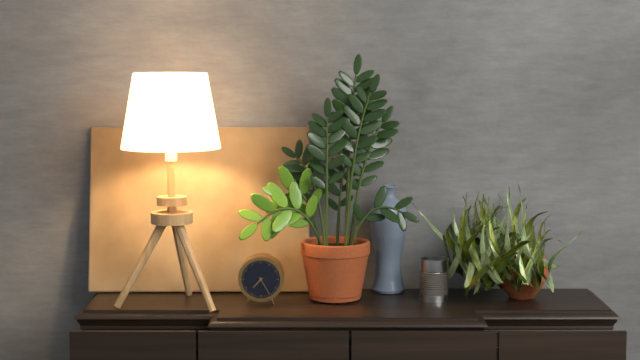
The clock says 7h25
